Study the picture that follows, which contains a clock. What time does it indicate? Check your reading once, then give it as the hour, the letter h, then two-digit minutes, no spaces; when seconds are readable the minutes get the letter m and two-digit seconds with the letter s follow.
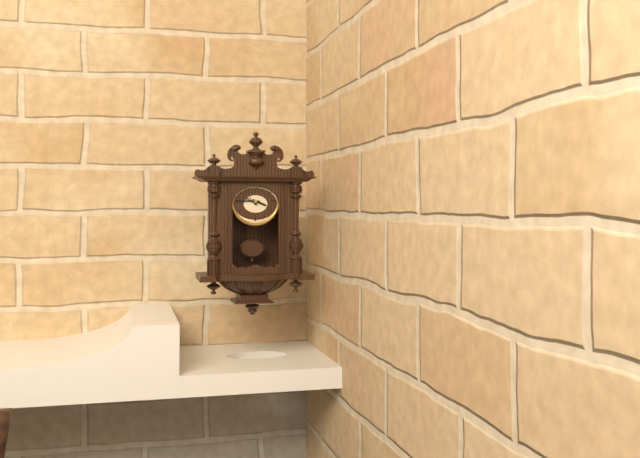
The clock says 3h45
